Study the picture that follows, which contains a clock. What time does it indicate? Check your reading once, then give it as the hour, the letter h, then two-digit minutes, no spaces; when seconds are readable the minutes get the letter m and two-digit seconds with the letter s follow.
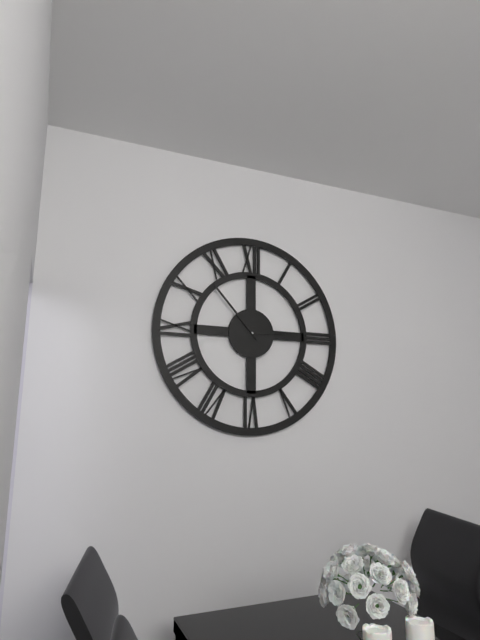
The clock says 2h53
